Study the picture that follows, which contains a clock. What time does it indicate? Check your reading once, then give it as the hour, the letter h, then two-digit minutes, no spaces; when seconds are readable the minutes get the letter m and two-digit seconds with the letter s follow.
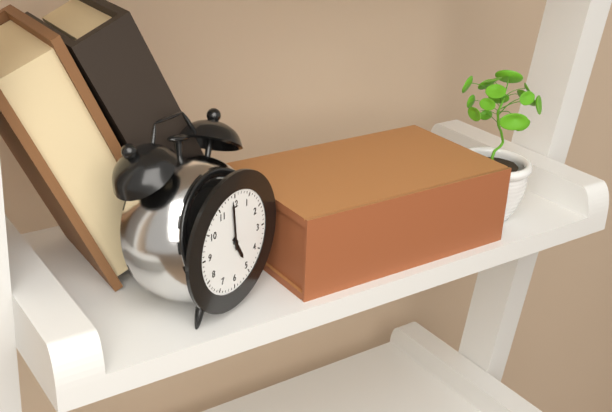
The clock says 4h59
